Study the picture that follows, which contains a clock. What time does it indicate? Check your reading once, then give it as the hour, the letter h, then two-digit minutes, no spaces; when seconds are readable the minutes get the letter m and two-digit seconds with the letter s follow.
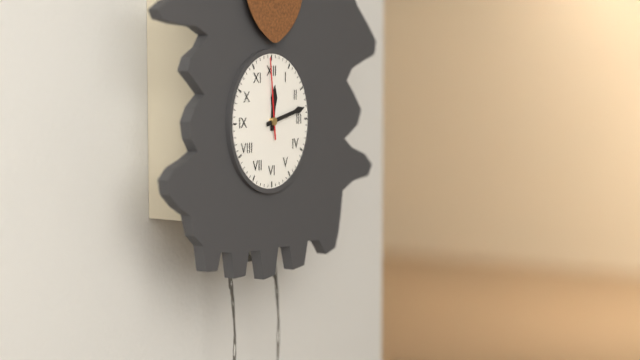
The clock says 12h13m59s
